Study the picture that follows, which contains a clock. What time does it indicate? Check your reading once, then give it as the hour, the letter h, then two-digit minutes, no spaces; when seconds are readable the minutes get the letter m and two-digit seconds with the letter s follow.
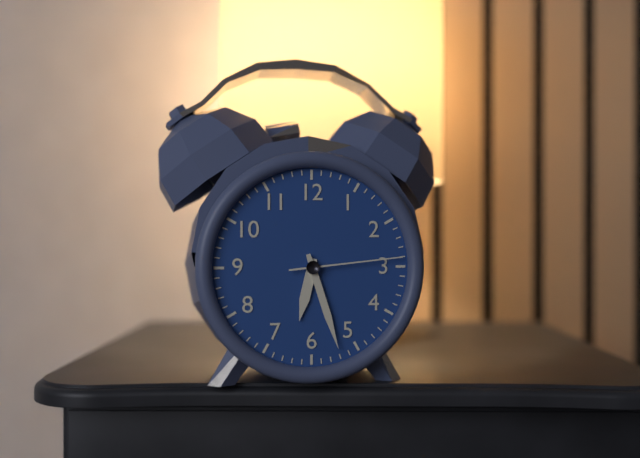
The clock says 6h27m14s
